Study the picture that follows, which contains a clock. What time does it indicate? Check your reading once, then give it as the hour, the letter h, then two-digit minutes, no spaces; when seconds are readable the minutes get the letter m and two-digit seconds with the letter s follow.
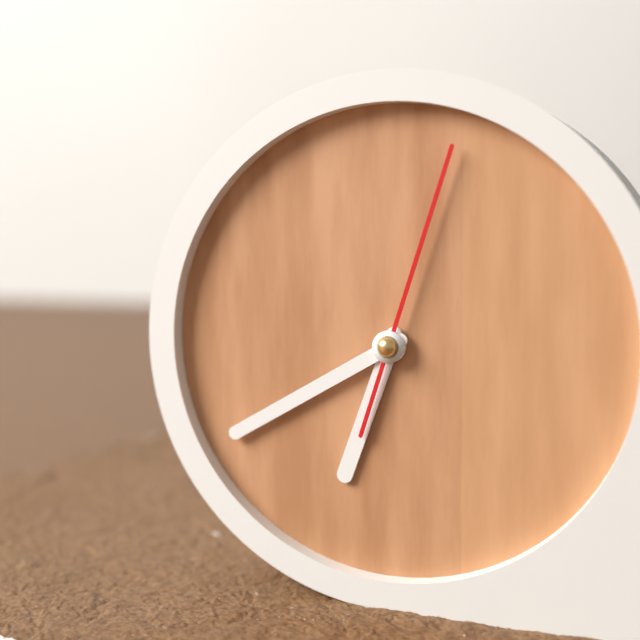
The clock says 6h40m03s
